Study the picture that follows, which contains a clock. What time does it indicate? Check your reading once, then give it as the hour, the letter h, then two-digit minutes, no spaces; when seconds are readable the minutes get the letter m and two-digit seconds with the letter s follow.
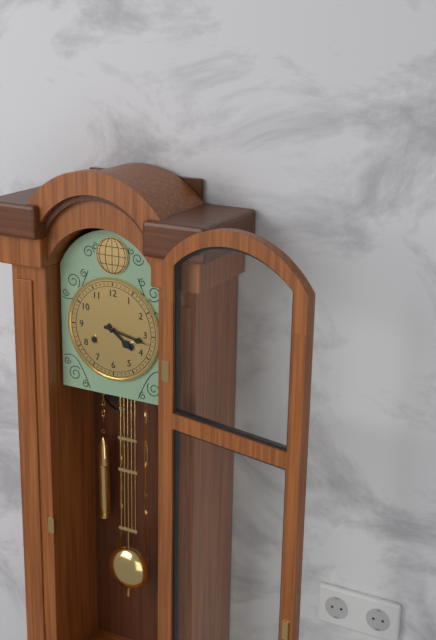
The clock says 4h17
